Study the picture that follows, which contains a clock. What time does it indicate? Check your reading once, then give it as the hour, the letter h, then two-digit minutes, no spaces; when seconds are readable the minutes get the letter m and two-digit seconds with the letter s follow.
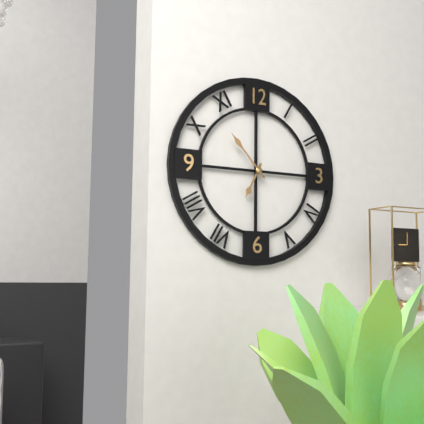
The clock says 6h53
